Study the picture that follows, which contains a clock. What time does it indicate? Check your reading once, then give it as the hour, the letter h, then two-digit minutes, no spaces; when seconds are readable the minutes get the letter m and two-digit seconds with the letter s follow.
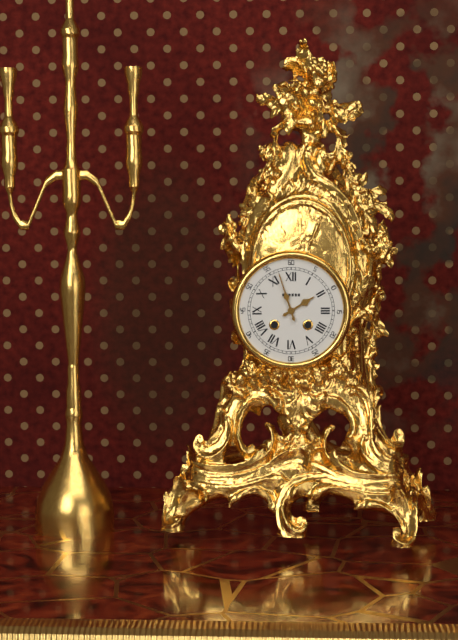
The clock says 1h57
